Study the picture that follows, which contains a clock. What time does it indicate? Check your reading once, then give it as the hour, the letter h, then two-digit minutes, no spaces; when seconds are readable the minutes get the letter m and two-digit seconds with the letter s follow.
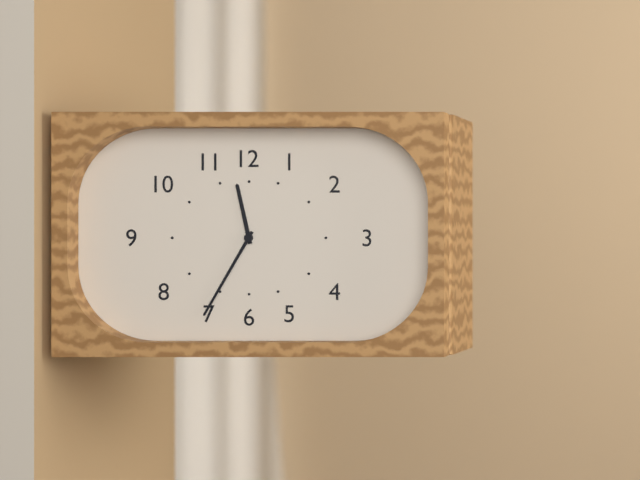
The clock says 11h35
